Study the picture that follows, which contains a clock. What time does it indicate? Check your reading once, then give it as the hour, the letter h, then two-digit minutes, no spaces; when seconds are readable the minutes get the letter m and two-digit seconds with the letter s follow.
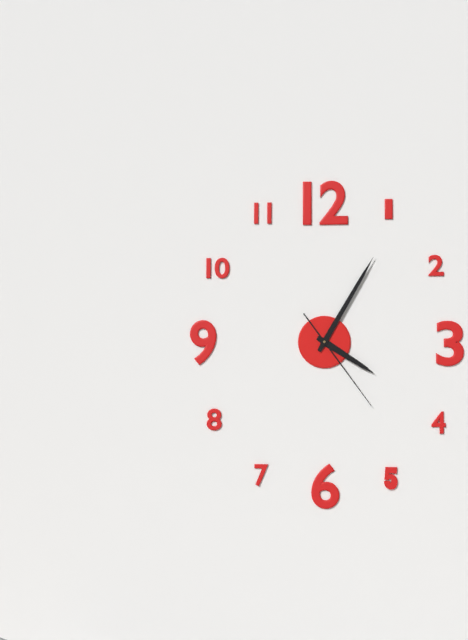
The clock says 4h05m24s
